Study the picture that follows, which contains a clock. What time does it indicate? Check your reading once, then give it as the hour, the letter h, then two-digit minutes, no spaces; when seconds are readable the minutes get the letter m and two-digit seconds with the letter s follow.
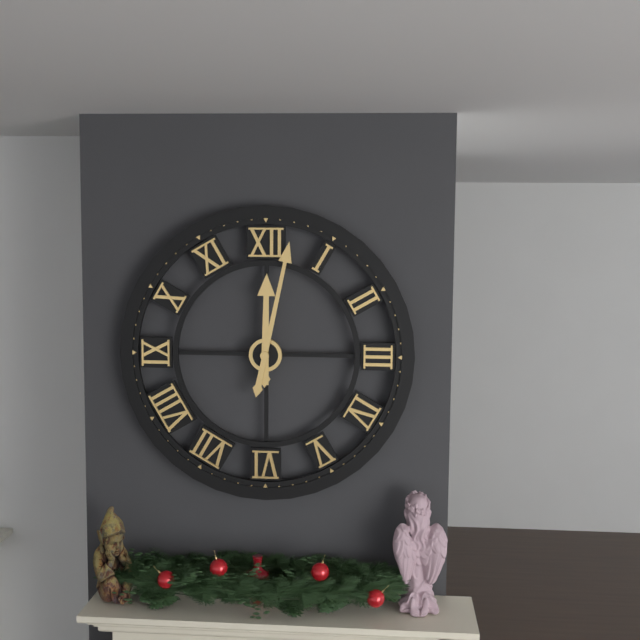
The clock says 12h02
